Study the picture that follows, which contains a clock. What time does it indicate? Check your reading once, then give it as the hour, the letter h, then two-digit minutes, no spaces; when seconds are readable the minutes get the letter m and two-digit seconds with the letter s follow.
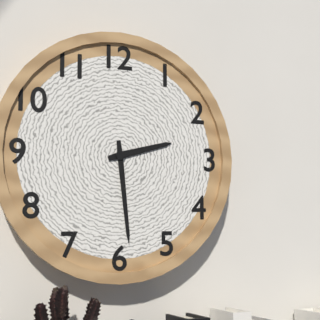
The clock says 2h29
